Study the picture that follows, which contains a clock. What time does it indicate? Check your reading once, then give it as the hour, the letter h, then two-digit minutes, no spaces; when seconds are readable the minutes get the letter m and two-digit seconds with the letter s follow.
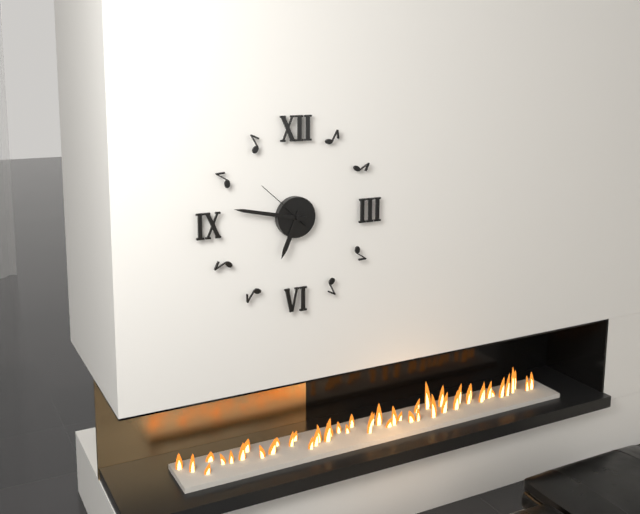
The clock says 6h47m52s
